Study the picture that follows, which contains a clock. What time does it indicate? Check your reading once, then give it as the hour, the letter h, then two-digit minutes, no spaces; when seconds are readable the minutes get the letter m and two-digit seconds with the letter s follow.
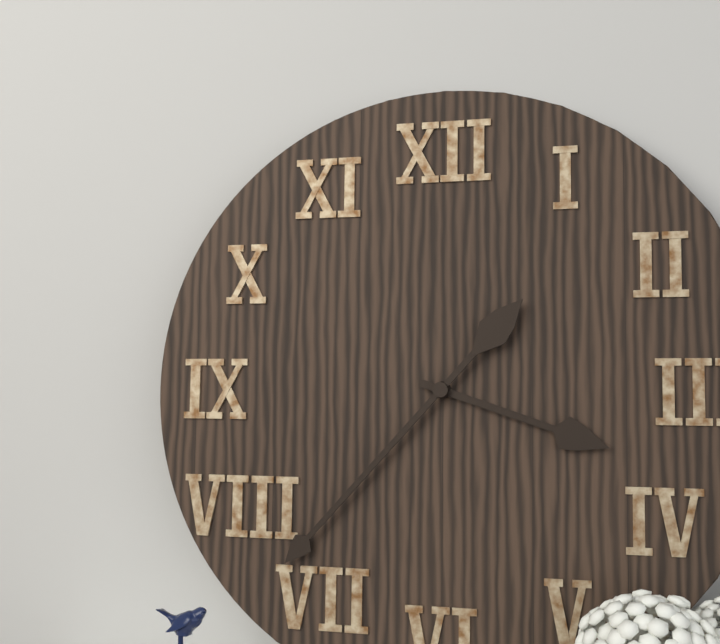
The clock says 3h37
